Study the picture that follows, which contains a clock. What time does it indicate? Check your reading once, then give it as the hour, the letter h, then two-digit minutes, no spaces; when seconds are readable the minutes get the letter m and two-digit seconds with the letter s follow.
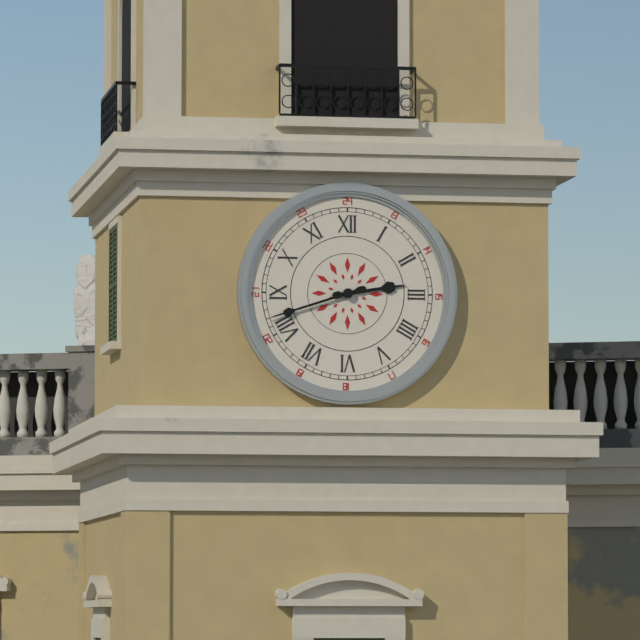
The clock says 2h42
